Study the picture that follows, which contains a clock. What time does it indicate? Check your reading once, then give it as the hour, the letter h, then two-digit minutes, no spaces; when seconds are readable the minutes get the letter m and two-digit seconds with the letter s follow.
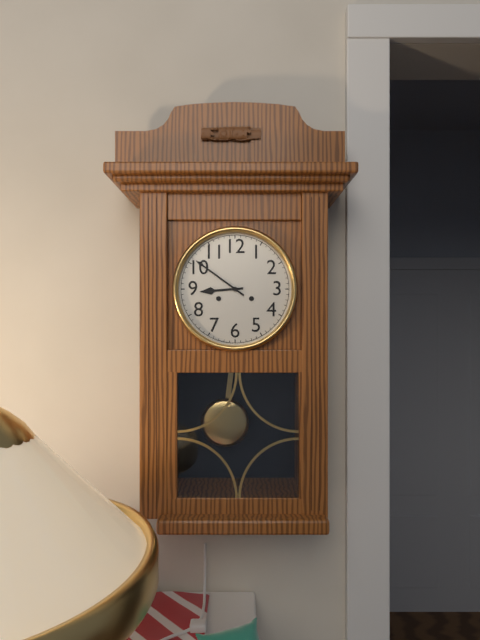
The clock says 8h51
